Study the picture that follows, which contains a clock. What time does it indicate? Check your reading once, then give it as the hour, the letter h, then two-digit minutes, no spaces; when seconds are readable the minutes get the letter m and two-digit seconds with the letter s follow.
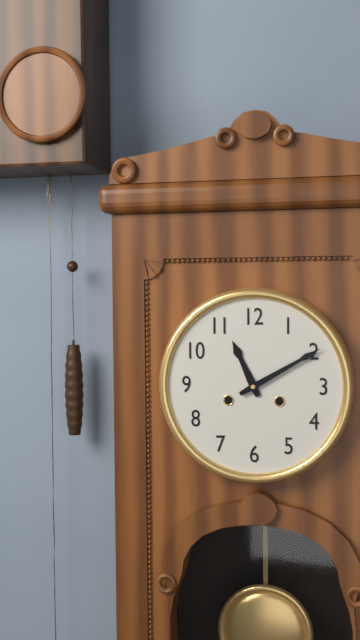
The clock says 11h10
